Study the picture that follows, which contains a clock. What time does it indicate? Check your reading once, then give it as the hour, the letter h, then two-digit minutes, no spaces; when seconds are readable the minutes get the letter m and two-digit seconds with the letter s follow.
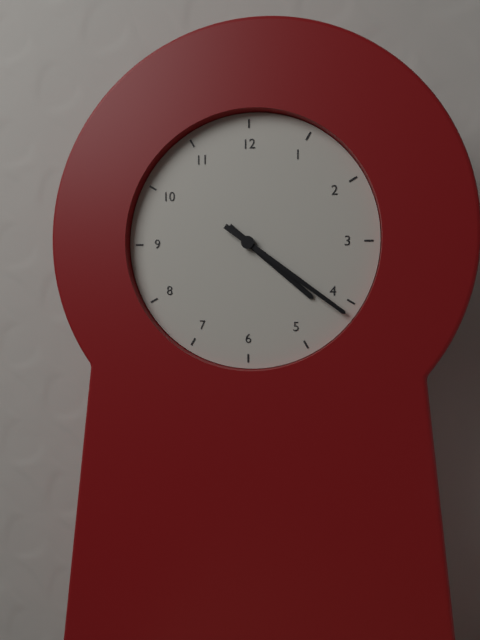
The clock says 4h21
